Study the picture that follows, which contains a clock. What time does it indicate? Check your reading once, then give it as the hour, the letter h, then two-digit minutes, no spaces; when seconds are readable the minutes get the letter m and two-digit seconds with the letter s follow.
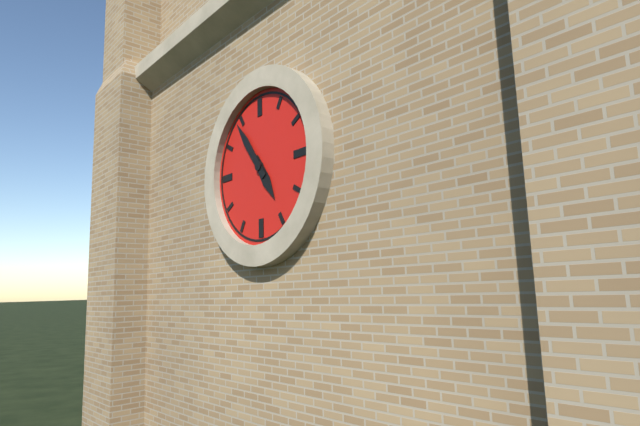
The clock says 4h54
